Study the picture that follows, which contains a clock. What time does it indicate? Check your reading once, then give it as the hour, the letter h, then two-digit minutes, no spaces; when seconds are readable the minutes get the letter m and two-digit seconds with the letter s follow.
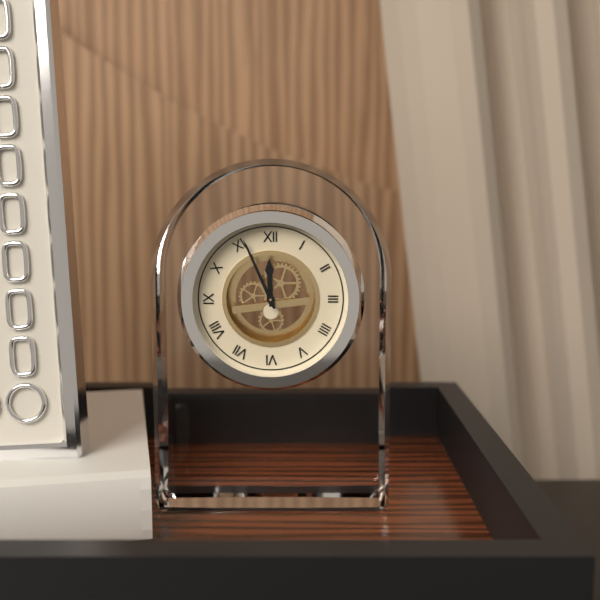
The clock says 11h56
